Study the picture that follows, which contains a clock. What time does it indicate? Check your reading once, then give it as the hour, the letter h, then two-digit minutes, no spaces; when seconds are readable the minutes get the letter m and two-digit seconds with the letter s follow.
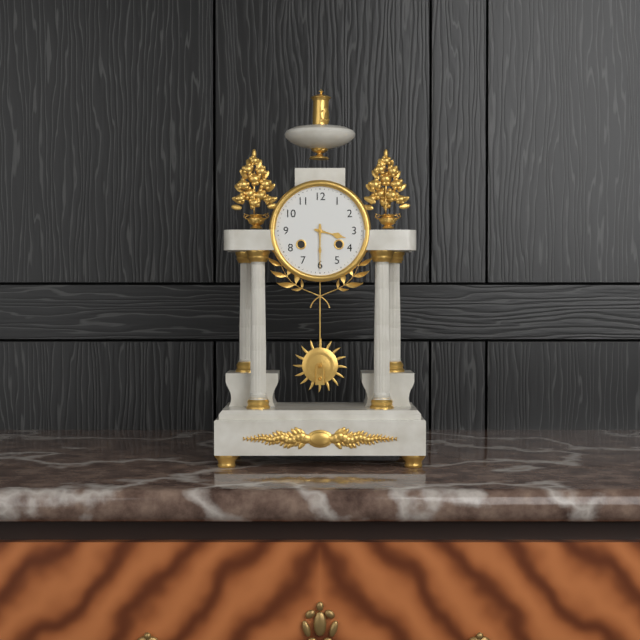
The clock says 3h30
